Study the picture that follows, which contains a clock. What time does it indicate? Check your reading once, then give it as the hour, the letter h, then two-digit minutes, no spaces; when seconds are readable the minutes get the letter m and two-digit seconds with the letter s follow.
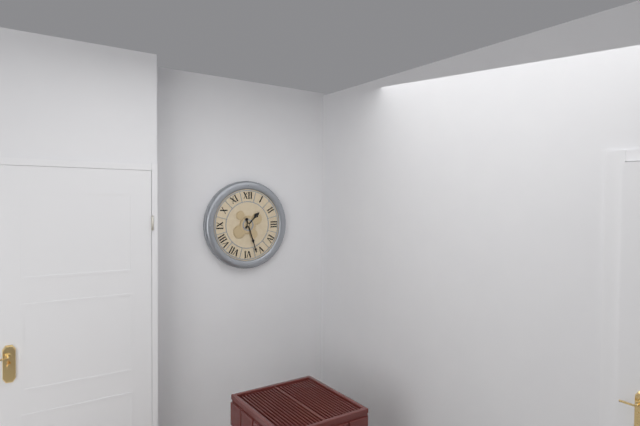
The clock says 1h27
